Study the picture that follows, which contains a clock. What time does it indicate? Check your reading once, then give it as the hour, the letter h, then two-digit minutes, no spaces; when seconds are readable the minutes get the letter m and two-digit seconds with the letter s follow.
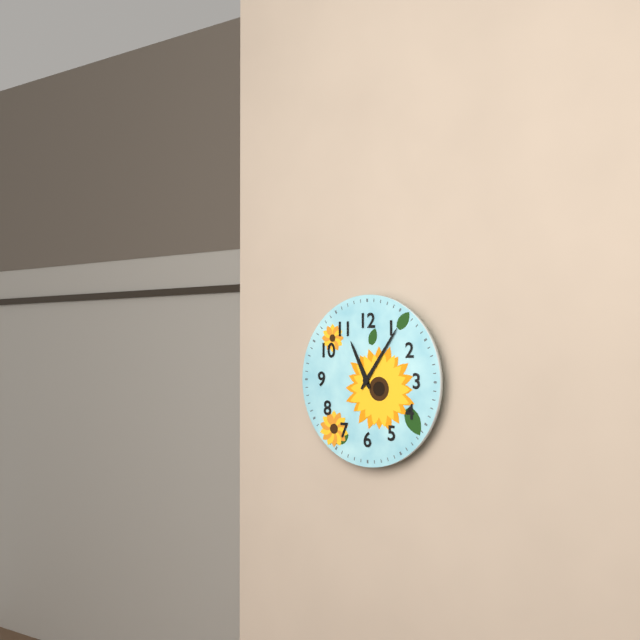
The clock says 11h06
